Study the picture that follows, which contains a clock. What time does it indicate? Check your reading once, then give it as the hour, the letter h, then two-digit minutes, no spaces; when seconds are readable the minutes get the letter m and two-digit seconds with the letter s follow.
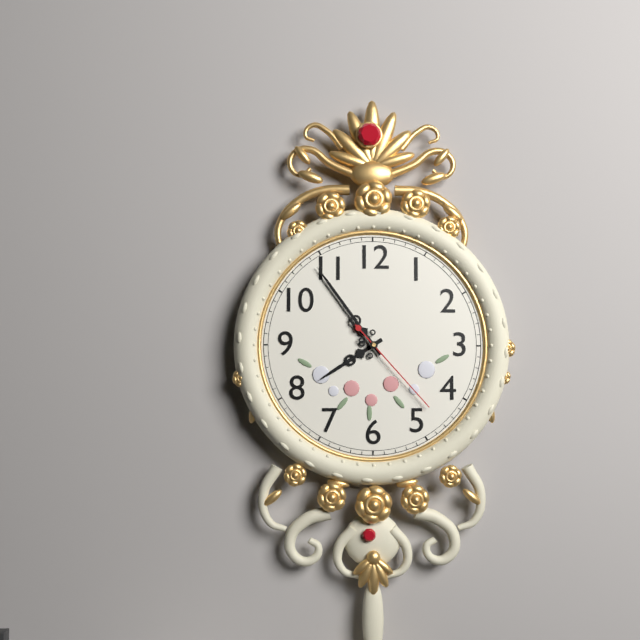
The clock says 7h54m23s
